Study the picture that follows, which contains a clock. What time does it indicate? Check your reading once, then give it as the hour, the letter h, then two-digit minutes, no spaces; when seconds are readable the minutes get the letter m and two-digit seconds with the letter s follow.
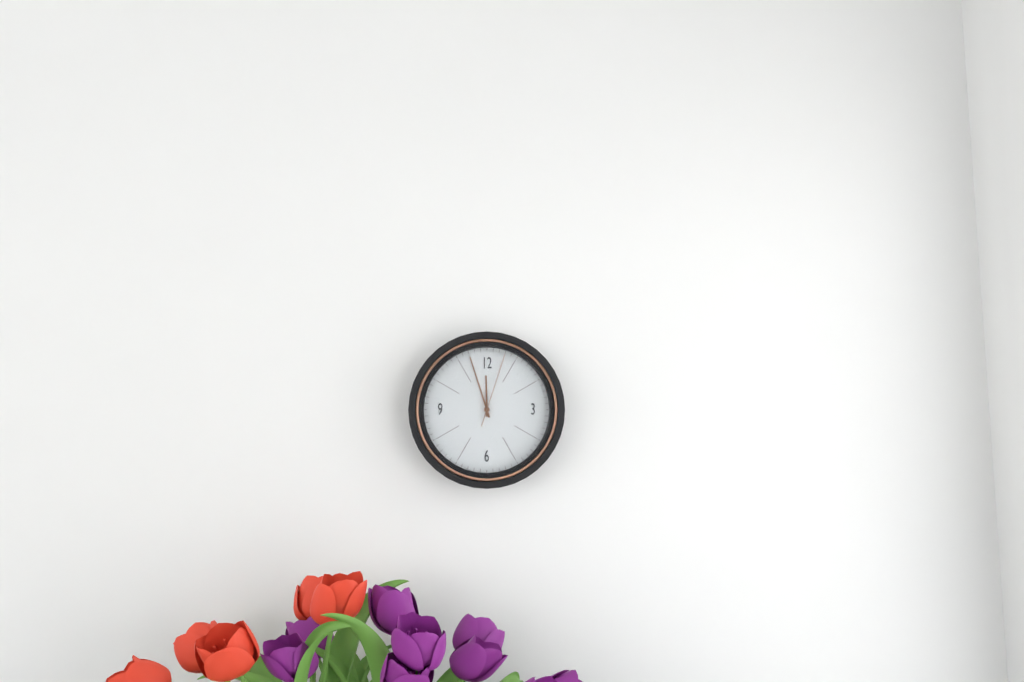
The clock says 11h57m03s
